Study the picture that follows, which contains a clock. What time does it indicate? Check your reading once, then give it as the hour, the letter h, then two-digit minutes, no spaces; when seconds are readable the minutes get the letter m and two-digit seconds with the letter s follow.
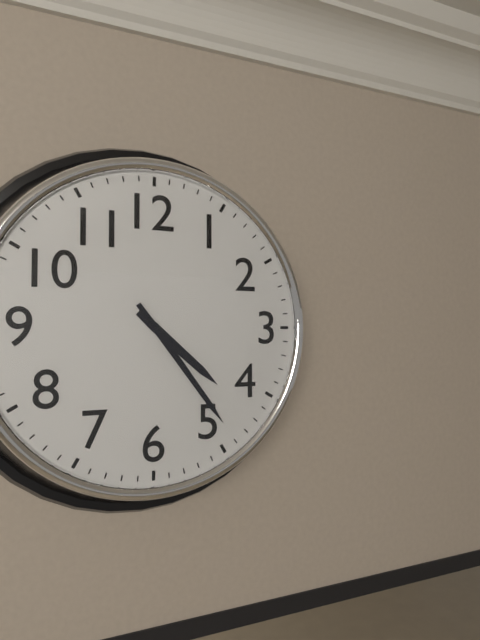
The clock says 4h24
